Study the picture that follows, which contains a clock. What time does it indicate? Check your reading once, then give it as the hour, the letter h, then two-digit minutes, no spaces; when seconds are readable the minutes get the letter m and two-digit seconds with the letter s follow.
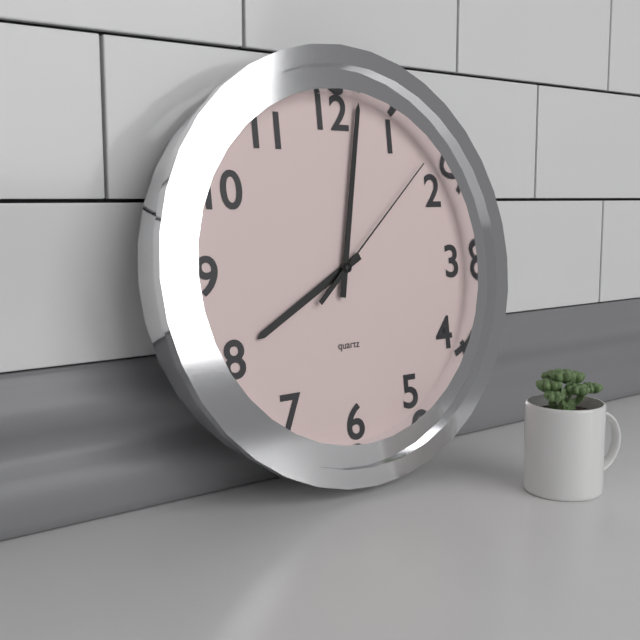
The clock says 8h02m08s
